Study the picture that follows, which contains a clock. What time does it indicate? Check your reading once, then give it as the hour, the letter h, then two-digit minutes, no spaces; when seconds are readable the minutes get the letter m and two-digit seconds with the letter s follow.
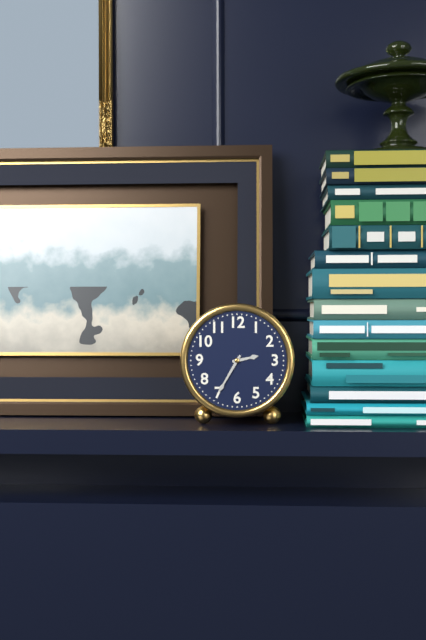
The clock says 2h35
